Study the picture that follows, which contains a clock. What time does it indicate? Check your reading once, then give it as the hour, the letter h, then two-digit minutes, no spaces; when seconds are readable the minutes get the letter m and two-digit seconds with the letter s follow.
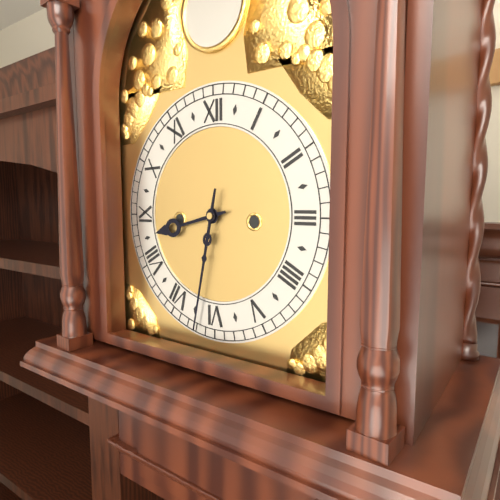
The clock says 8h32
